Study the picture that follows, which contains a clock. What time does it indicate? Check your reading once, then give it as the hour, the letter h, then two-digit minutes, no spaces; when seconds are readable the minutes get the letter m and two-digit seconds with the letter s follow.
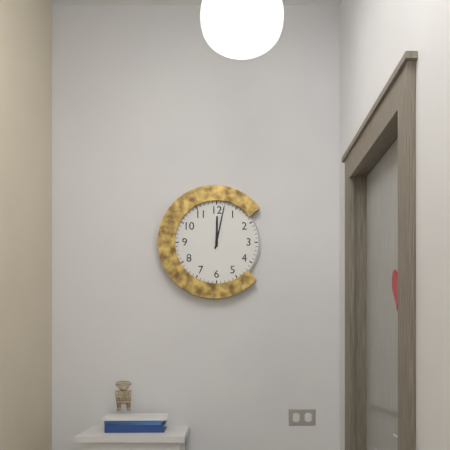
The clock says 12h02
